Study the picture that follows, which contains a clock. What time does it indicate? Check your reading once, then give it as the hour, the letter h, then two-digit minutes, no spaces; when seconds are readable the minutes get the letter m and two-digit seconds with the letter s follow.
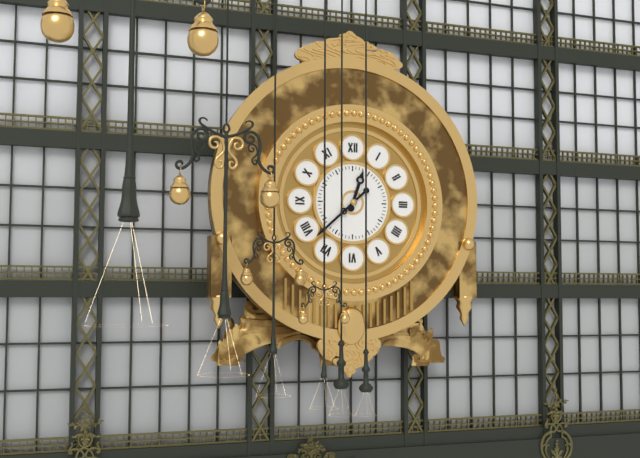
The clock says 12h38
